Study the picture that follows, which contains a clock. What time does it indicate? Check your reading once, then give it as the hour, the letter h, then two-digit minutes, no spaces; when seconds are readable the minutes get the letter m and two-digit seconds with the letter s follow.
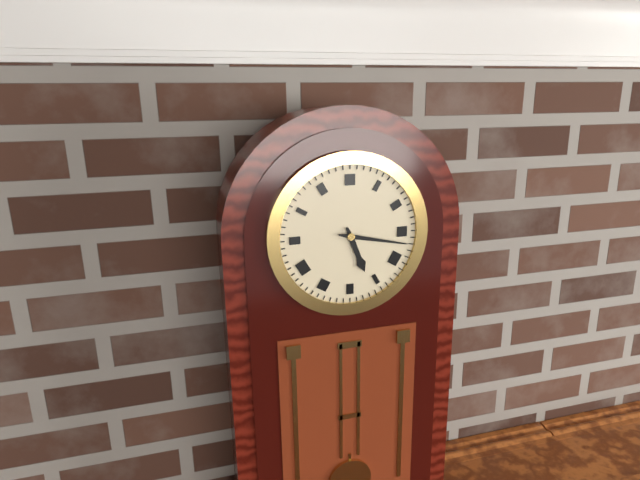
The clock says 5h17
